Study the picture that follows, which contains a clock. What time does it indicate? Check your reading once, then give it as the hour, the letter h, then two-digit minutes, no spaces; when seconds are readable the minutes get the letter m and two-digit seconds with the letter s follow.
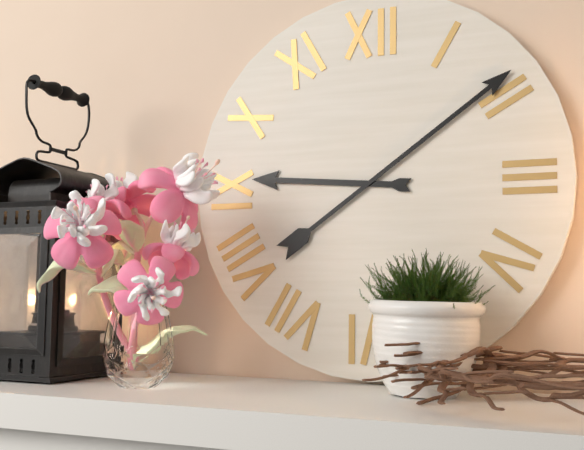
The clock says 9h09
